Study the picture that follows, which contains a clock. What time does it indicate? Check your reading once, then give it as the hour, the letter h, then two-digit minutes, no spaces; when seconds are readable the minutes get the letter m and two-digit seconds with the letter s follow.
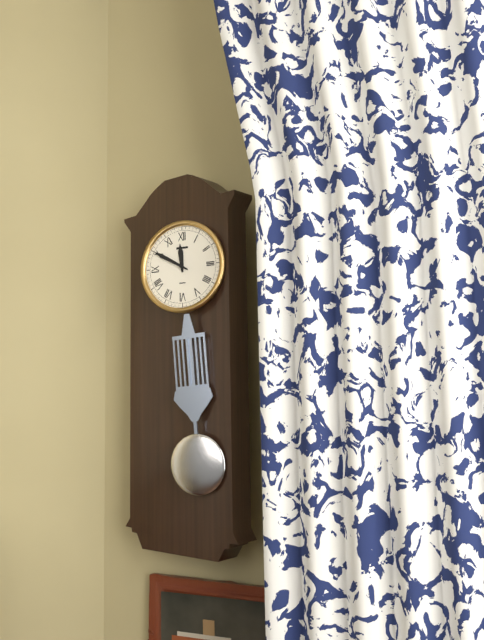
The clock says 11h50
